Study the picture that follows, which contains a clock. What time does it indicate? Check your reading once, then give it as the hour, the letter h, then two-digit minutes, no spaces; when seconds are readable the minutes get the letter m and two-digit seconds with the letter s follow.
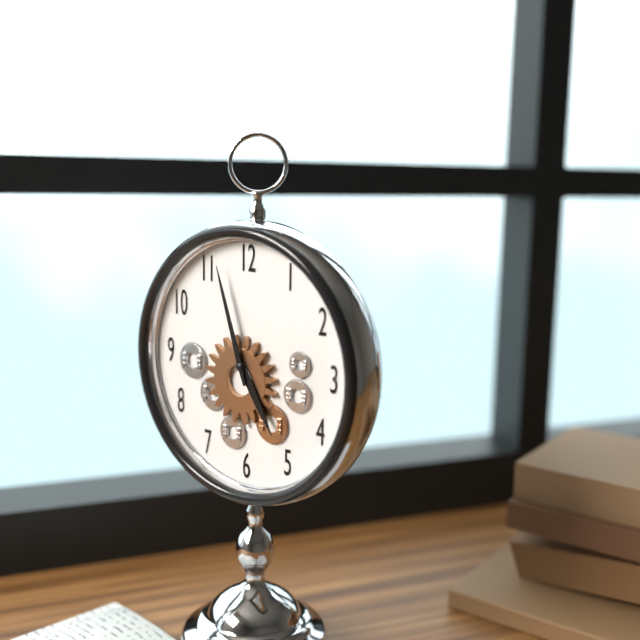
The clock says 4h57
